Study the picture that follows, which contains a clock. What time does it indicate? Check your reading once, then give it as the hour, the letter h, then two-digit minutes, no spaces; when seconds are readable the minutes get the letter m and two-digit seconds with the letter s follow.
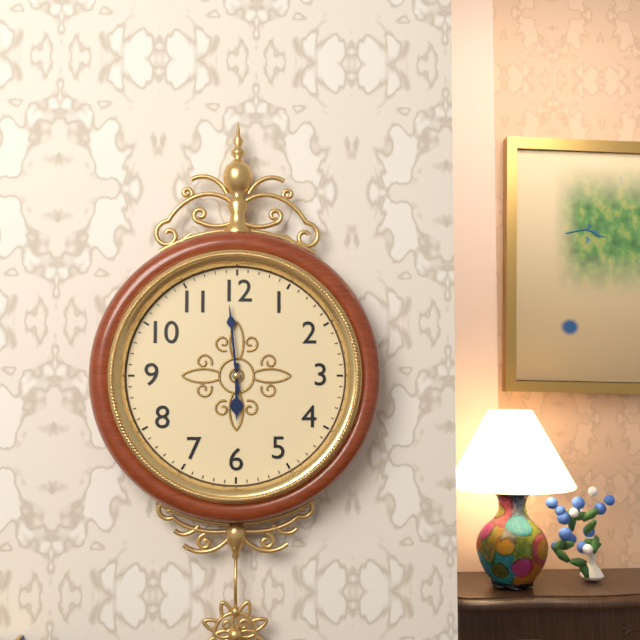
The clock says 5h59
